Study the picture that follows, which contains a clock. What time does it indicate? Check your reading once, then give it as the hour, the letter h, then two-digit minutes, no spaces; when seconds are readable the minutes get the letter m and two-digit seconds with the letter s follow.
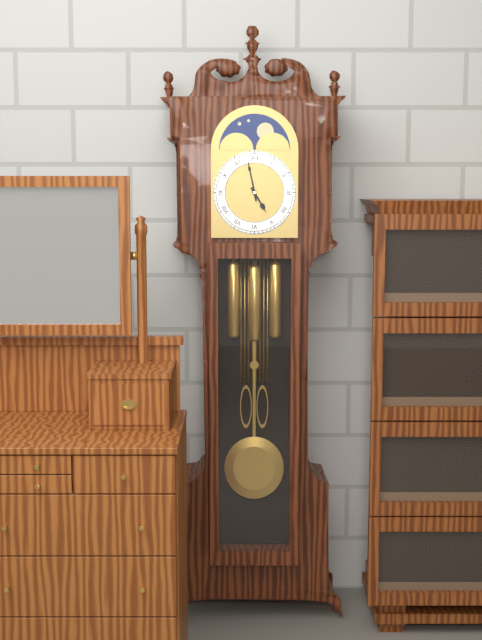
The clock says 4h58
